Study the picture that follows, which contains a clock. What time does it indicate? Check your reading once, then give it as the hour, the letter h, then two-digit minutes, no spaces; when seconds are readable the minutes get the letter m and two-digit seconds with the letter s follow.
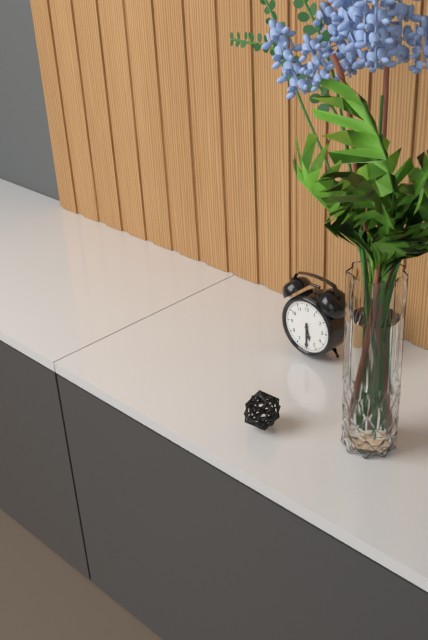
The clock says 5h30
